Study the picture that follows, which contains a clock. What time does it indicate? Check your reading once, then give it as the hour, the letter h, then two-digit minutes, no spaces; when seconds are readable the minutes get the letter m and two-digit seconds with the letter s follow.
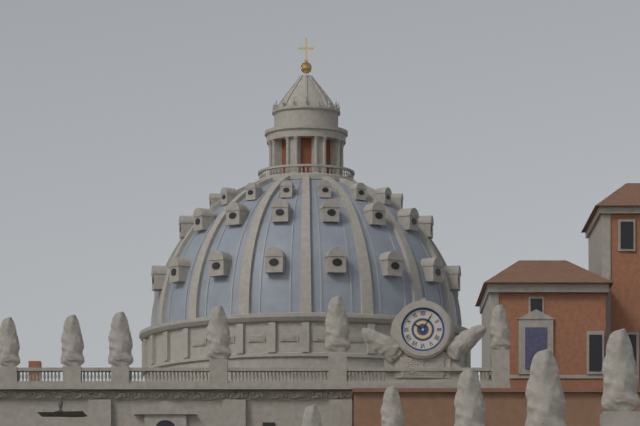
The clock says 10h05
